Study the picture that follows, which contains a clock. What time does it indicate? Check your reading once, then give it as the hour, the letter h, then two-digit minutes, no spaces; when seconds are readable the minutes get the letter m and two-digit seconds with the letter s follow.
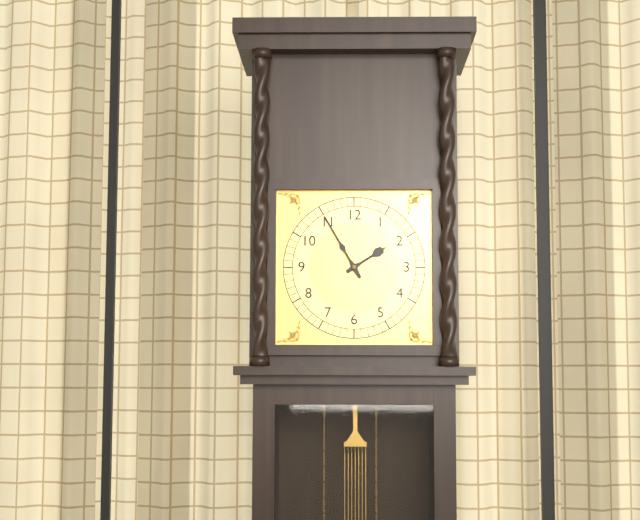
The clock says 1h55
